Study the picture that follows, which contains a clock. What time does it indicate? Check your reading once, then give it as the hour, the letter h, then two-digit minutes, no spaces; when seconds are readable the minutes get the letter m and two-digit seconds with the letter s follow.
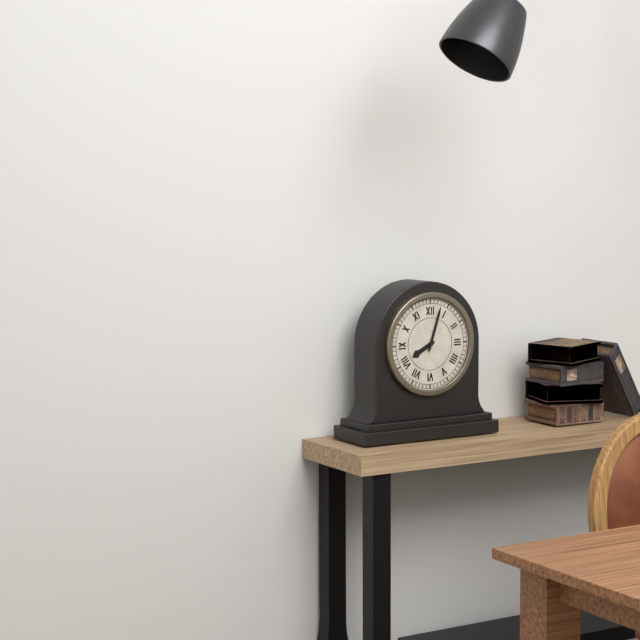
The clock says 8h03
